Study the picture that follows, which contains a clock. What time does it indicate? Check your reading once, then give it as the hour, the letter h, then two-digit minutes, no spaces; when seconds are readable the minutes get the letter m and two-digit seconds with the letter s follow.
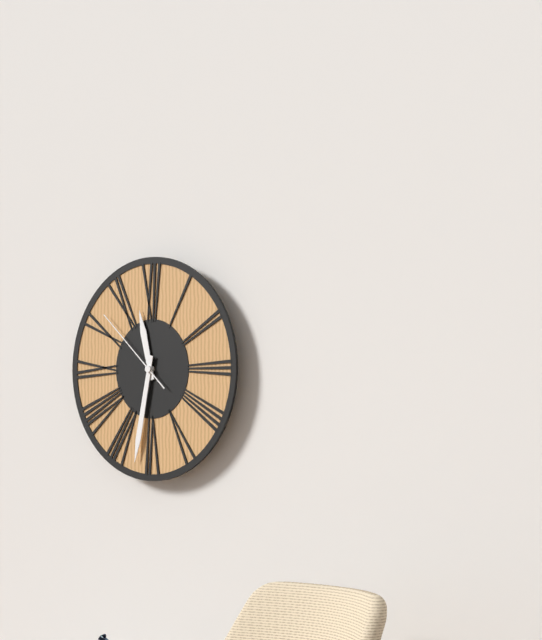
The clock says 11h32m52s
